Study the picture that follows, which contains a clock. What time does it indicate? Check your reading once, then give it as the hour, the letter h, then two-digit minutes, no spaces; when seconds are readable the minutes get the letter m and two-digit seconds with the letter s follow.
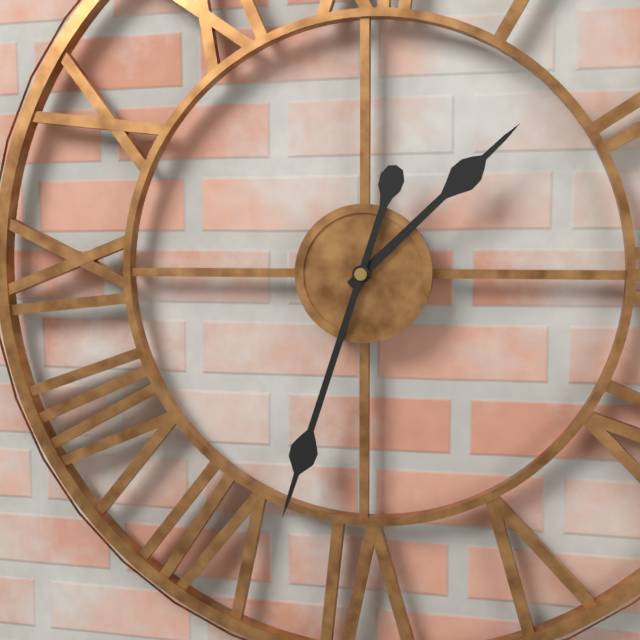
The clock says 1h33
